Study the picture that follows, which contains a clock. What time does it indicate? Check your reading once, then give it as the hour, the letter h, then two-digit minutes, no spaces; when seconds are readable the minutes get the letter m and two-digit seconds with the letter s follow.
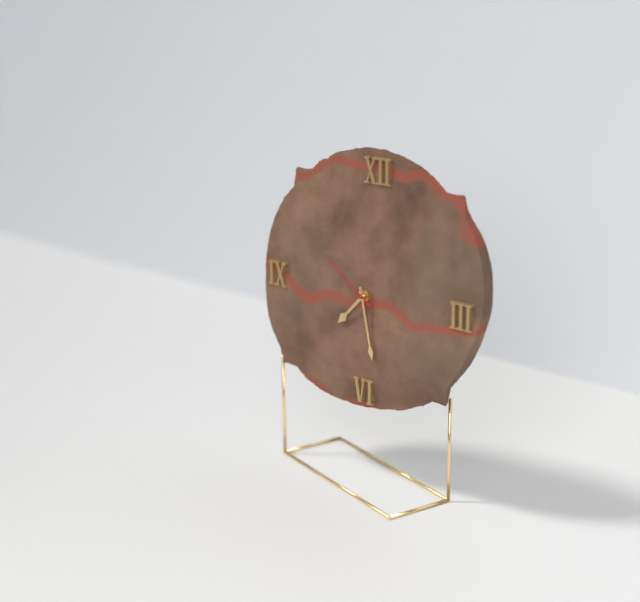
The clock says 7h28m51s
